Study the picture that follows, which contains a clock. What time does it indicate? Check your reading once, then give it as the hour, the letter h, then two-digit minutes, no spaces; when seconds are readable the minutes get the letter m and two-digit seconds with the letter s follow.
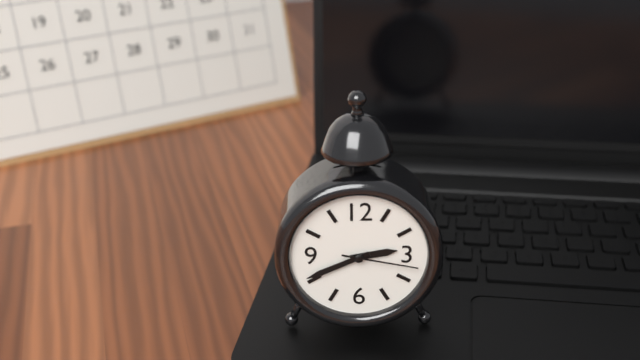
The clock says 2h41m17s
